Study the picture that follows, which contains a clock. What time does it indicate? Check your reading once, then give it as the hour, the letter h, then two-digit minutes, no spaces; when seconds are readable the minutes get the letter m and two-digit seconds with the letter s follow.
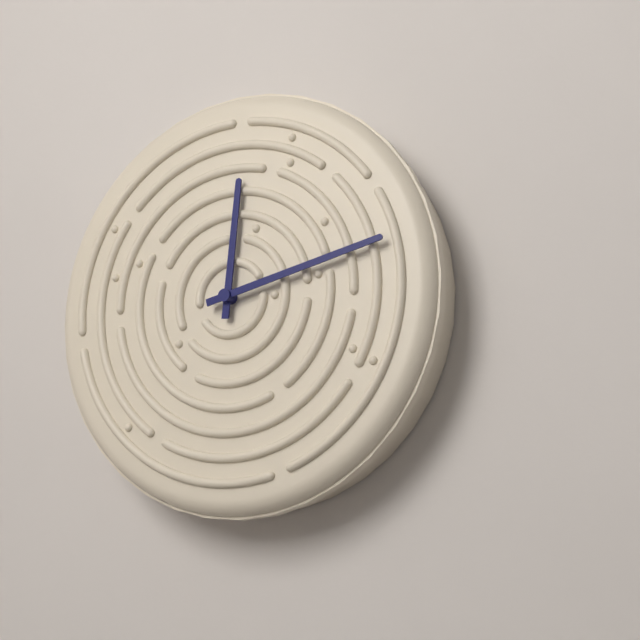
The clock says 12h13
